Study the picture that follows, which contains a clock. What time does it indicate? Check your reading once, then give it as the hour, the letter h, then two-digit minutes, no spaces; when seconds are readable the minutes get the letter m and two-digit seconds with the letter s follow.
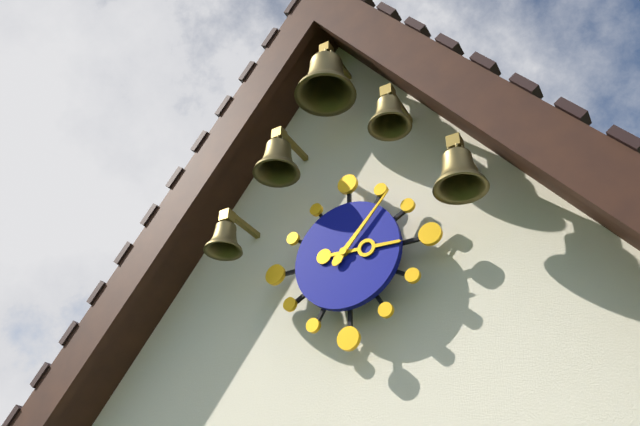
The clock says 3h07
